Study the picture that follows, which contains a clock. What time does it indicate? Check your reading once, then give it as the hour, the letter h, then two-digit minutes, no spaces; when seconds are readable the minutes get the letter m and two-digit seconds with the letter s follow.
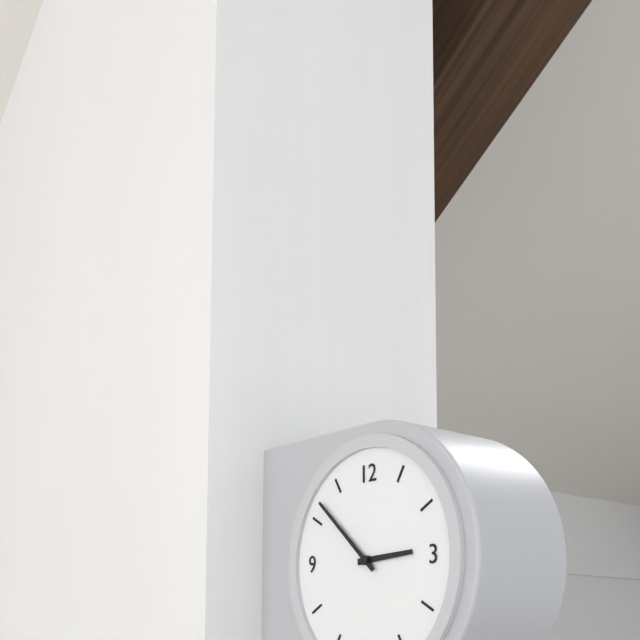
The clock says 2h52
